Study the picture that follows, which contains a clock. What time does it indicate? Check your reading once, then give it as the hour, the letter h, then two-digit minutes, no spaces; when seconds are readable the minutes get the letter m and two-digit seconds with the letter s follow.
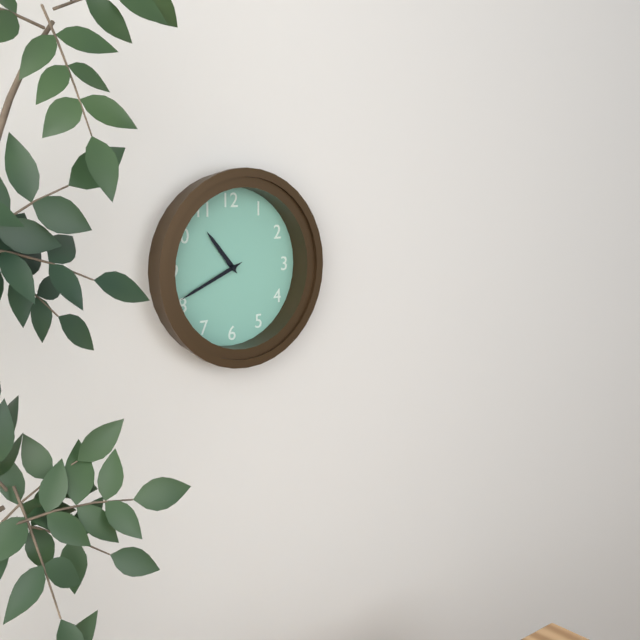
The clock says 10h41
